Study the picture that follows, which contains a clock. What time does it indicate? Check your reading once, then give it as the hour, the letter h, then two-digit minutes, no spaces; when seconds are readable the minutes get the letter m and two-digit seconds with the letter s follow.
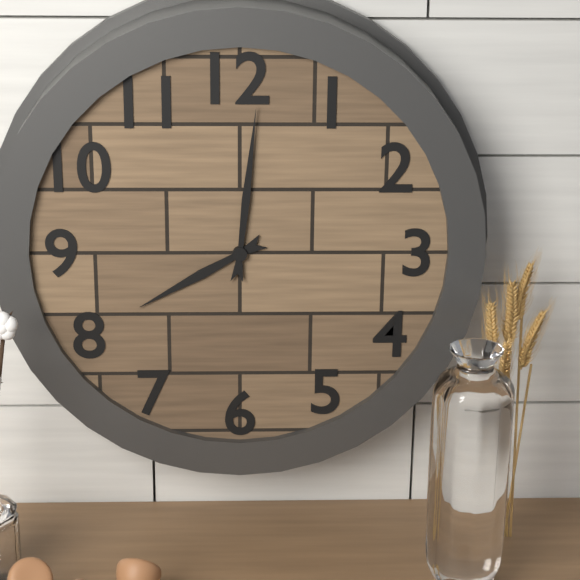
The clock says 8h01
